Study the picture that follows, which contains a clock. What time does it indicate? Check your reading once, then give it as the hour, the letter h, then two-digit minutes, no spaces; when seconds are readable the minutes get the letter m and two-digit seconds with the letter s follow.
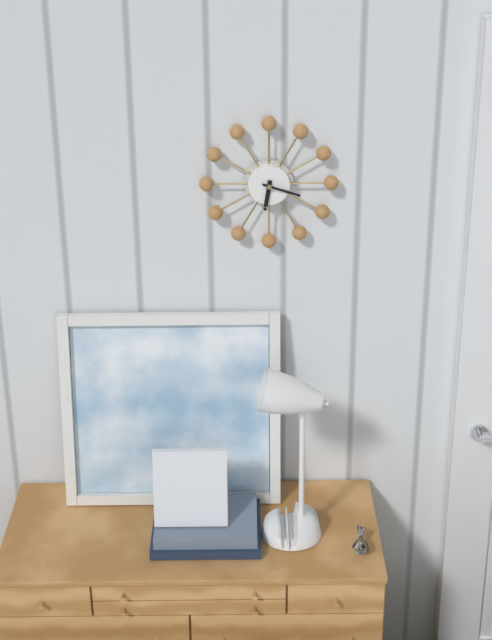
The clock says 6h18
